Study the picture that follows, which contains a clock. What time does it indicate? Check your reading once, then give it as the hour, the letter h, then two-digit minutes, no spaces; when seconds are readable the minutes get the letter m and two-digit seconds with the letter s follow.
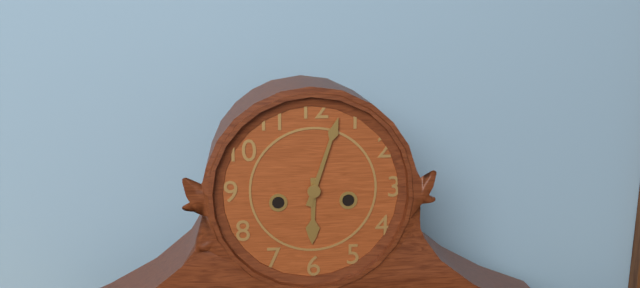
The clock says 6h03
